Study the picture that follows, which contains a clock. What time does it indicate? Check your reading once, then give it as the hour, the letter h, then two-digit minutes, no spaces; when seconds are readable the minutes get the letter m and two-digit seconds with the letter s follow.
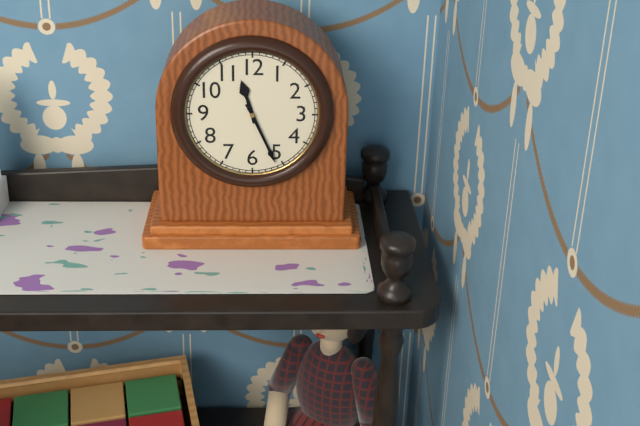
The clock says 11h26
